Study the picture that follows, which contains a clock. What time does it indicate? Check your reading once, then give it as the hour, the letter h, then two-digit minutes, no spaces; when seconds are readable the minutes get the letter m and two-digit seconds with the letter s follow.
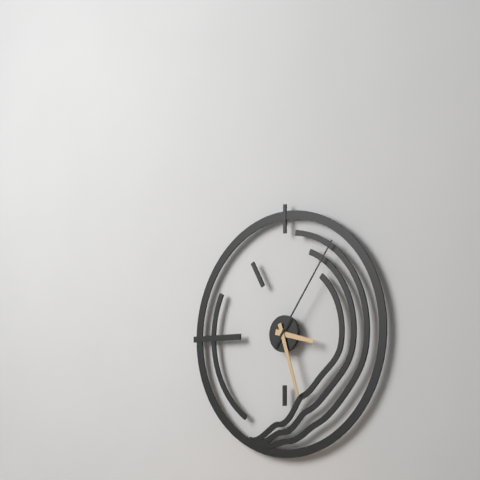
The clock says 3h27m06s
